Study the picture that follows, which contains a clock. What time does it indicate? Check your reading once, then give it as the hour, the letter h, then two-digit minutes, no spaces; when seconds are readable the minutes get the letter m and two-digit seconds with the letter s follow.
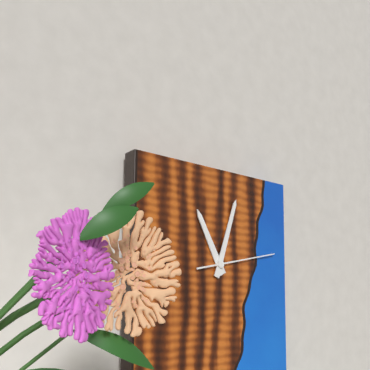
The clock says 11h03m13s
